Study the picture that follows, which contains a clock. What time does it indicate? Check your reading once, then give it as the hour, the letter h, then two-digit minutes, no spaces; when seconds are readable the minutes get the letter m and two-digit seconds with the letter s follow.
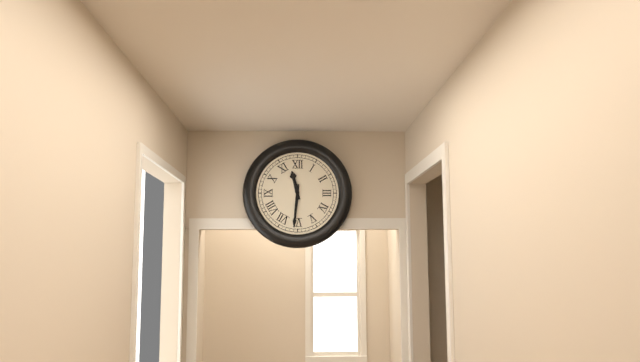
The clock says 11h31
